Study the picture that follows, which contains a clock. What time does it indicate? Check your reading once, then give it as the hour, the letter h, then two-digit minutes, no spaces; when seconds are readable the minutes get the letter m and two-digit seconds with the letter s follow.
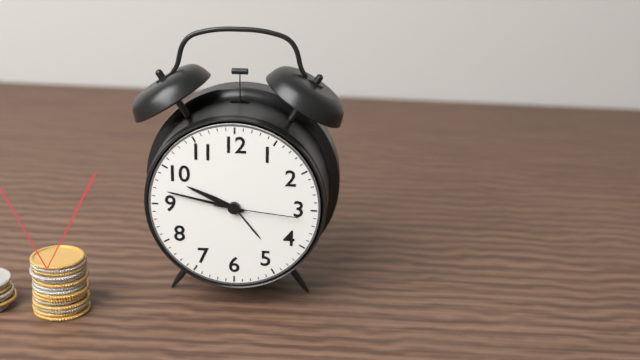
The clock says 9h47m16s
